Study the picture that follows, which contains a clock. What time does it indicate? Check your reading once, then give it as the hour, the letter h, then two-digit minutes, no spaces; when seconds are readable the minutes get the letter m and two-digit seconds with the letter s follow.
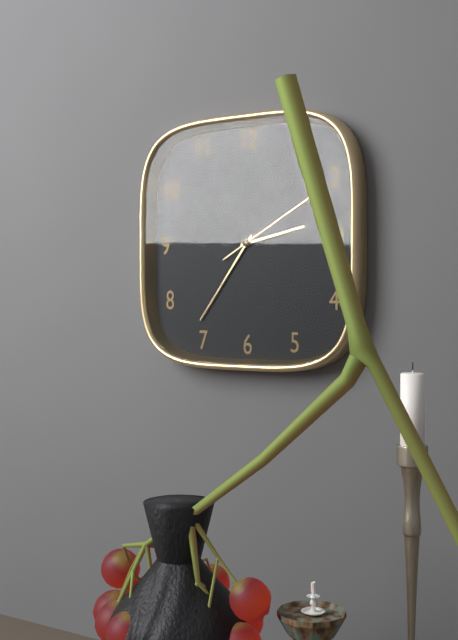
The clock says 2h36m10s
